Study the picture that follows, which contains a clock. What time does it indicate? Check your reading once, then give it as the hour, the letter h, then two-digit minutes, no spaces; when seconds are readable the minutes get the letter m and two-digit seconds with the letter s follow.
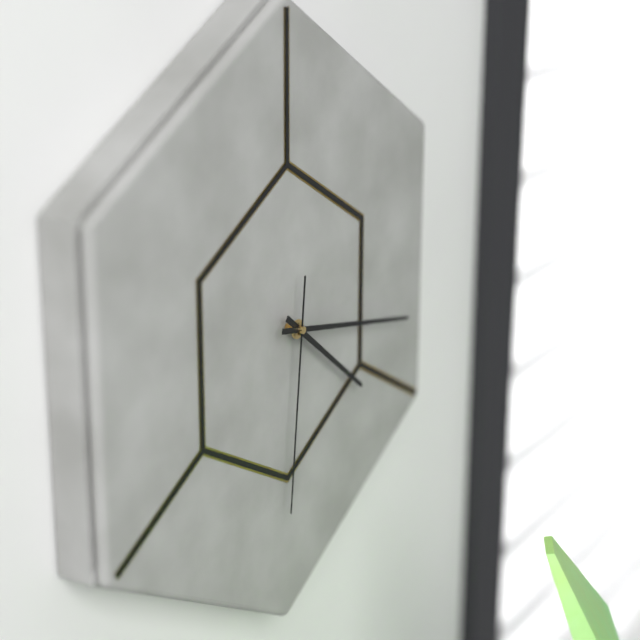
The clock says 4h17m31s
